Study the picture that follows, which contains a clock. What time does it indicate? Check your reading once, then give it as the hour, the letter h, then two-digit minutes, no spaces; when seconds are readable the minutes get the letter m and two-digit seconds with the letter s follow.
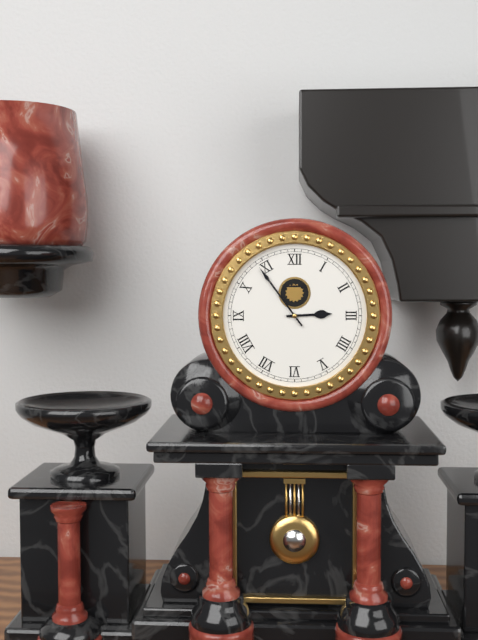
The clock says 2h54
